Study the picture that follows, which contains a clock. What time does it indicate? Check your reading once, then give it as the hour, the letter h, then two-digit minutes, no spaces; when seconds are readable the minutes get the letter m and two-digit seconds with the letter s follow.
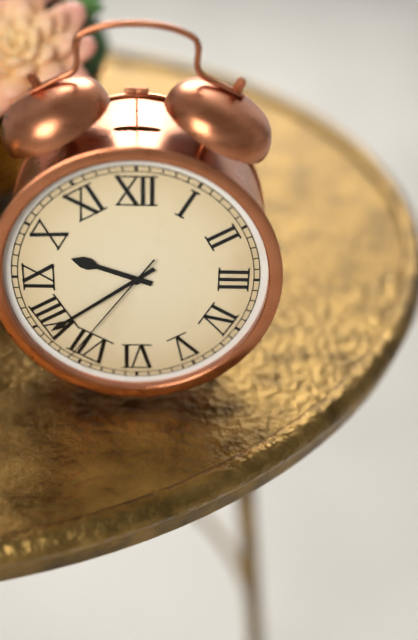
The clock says 9h39m36s
